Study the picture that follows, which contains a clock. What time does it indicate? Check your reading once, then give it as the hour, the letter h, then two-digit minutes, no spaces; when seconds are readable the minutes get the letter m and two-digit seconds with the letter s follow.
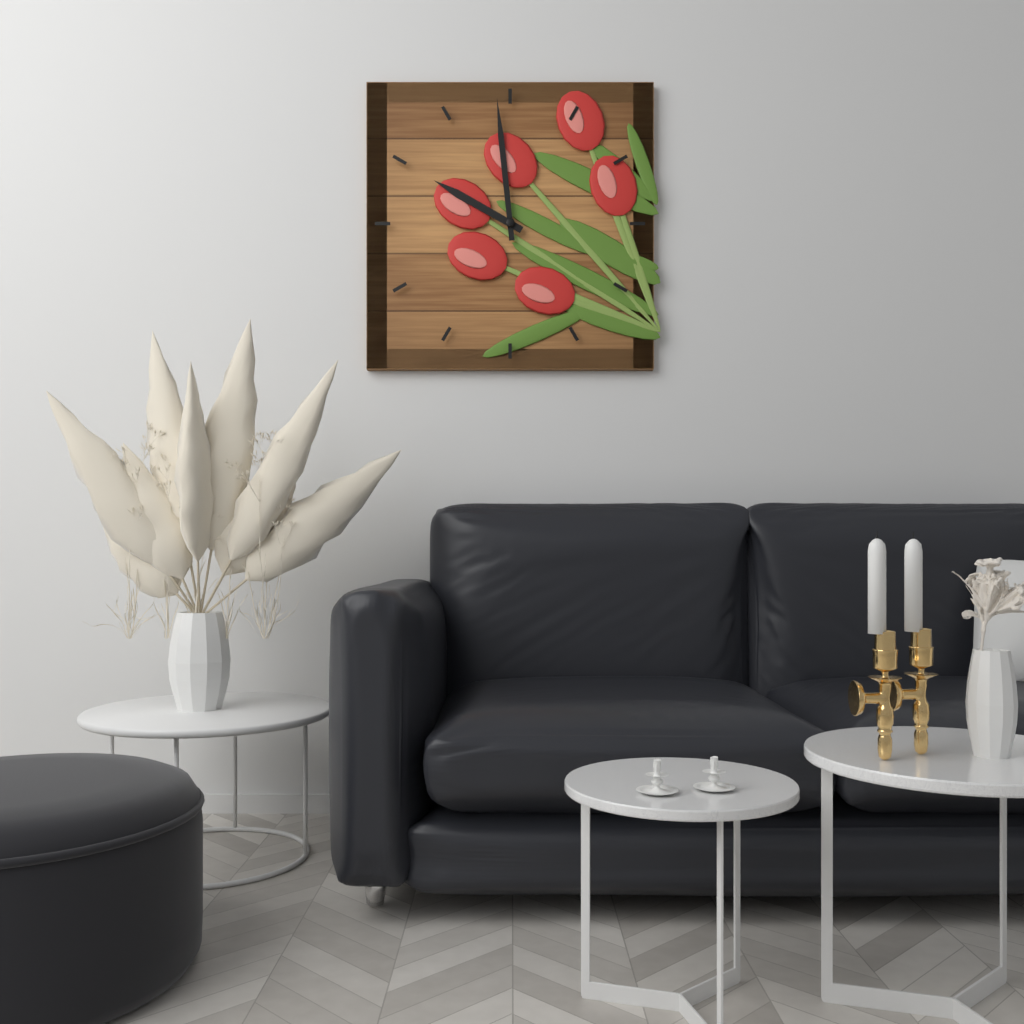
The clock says 9h59
